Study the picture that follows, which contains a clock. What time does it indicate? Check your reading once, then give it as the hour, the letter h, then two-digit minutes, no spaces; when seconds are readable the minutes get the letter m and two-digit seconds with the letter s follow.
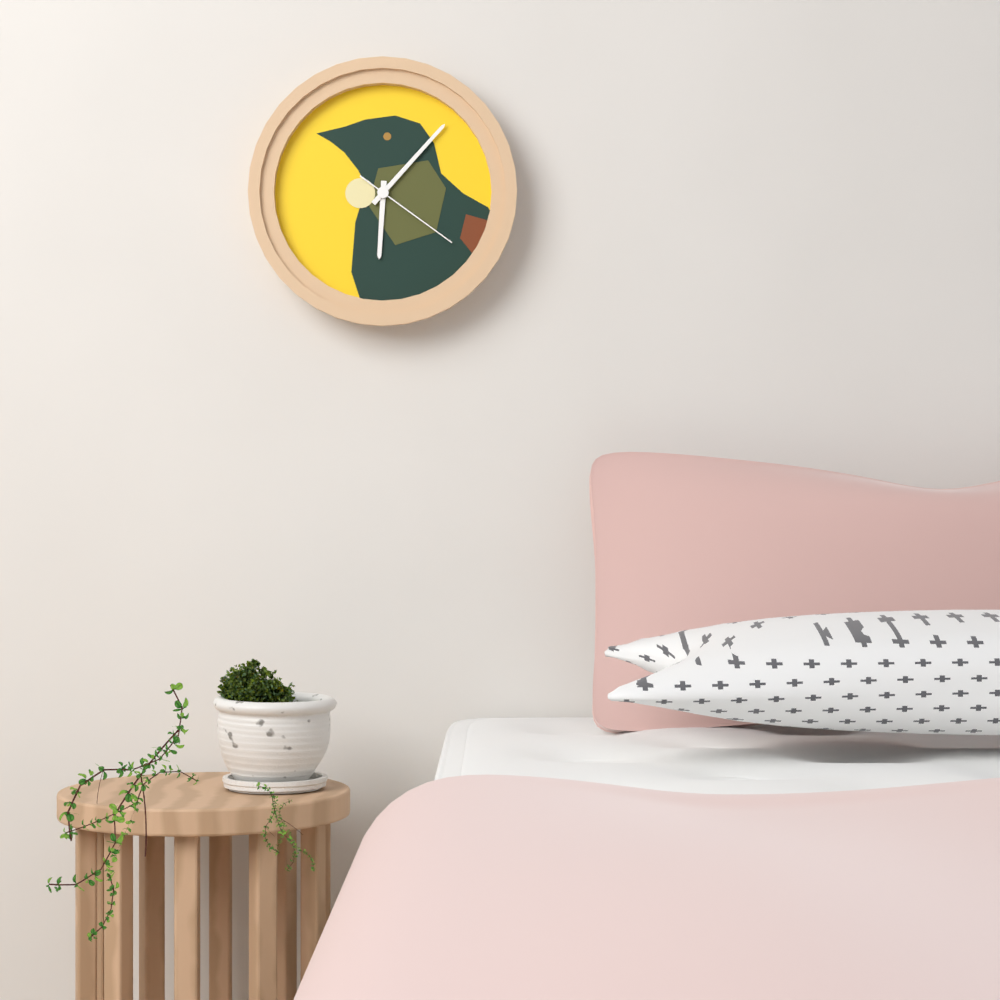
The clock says 6h07m21s
